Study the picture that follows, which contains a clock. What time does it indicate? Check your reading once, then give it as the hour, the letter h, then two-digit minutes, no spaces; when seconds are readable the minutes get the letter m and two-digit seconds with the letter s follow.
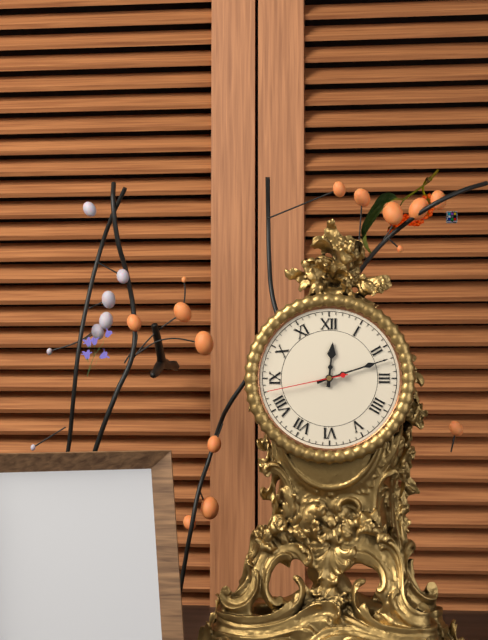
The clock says 12h12m43s
